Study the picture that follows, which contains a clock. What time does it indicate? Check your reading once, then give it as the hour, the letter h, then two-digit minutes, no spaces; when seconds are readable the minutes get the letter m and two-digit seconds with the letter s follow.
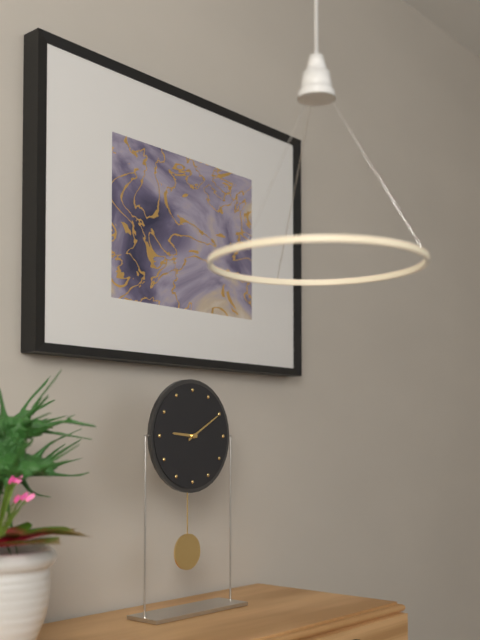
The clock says 9h10
